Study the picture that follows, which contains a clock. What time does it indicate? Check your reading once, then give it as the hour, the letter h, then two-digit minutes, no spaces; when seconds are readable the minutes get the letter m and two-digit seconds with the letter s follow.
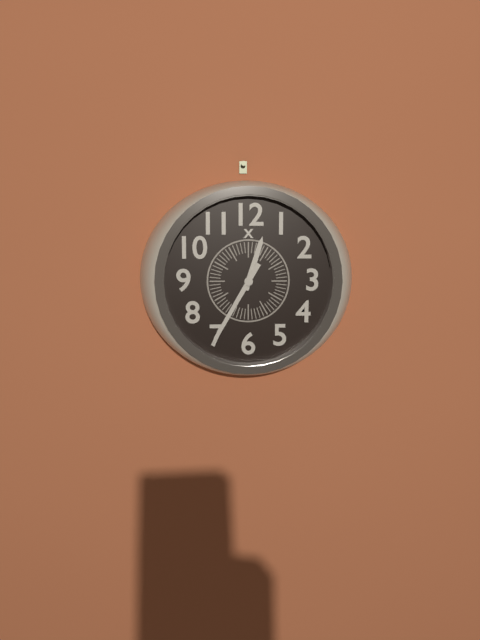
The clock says 12h35
